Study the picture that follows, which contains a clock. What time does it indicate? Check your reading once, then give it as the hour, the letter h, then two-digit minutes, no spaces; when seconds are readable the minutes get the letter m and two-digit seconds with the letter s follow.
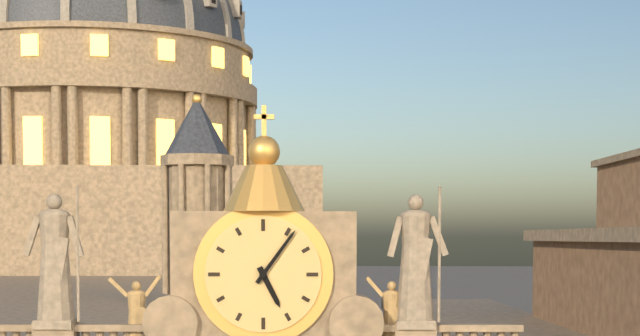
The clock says 5h06
